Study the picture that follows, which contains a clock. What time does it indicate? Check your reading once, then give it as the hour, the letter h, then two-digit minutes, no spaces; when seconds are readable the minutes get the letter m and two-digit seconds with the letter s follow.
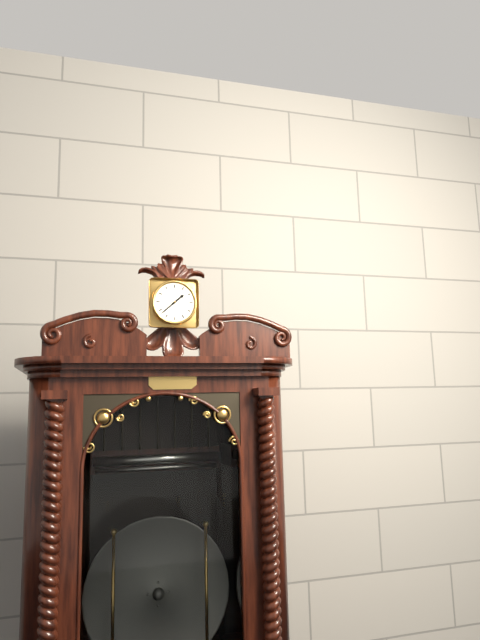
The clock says 1h38
